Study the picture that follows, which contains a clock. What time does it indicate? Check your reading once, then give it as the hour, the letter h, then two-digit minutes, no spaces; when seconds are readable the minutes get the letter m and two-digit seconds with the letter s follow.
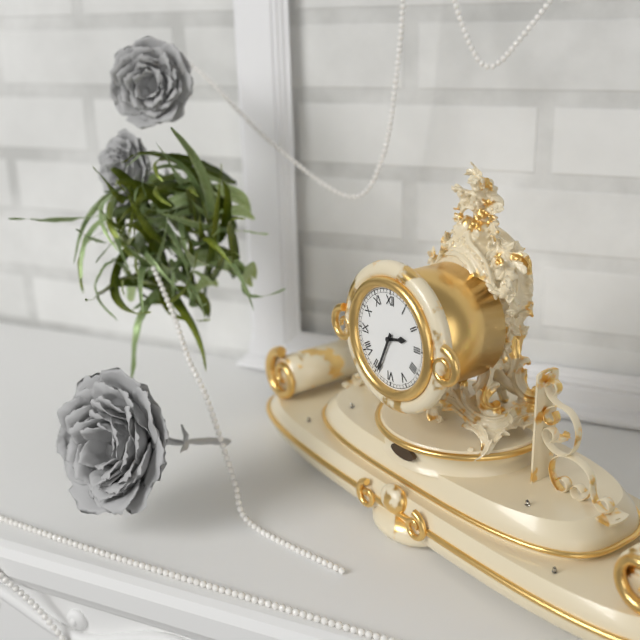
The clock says 2h34
